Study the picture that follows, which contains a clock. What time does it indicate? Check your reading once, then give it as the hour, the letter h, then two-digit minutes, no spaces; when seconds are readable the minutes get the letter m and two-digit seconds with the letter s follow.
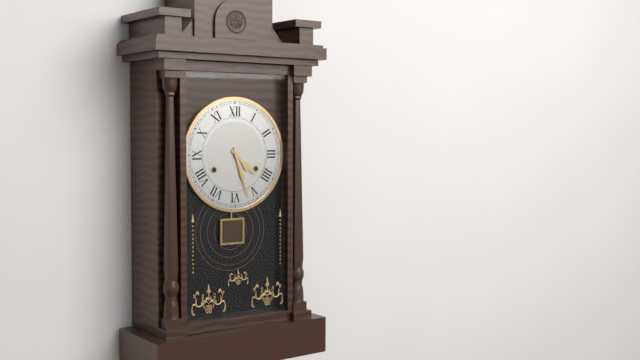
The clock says 4h27
